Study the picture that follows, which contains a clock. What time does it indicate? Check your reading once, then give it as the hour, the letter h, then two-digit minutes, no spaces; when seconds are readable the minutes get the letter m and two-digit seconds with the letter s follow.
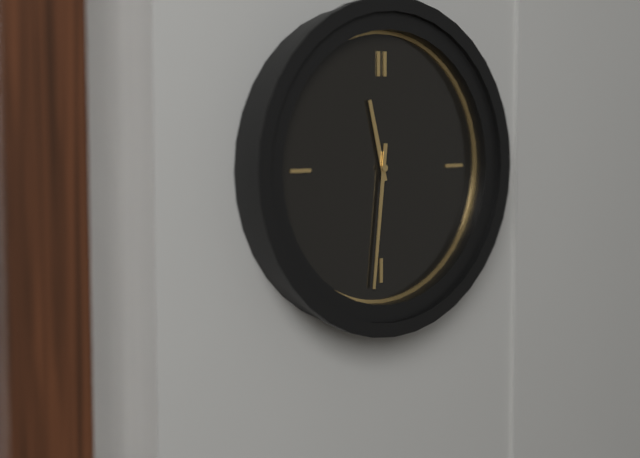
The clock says 11h31
